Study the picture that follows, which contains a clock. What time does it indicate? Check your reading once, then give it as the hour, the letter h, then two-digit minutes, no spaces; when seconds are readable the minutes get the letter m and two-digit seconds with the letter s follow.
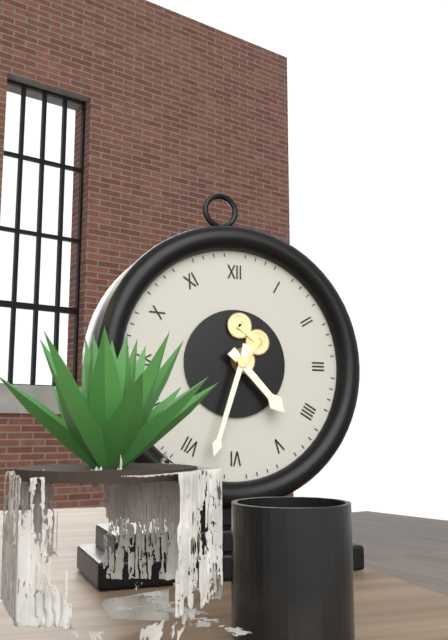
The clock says 4h33
